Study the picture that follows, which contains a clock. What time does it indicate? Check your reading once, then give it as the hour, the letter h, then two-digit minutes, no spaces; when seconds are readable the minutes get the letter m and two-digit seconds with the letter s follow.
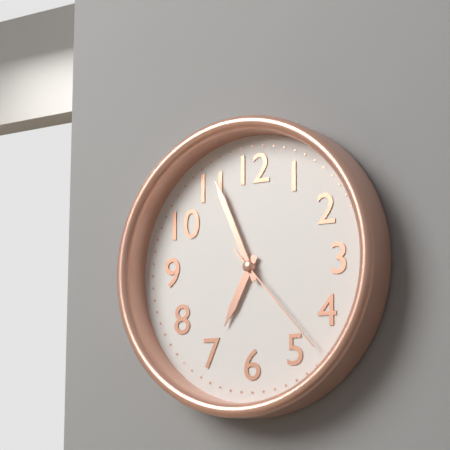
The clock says 6h56m23s
